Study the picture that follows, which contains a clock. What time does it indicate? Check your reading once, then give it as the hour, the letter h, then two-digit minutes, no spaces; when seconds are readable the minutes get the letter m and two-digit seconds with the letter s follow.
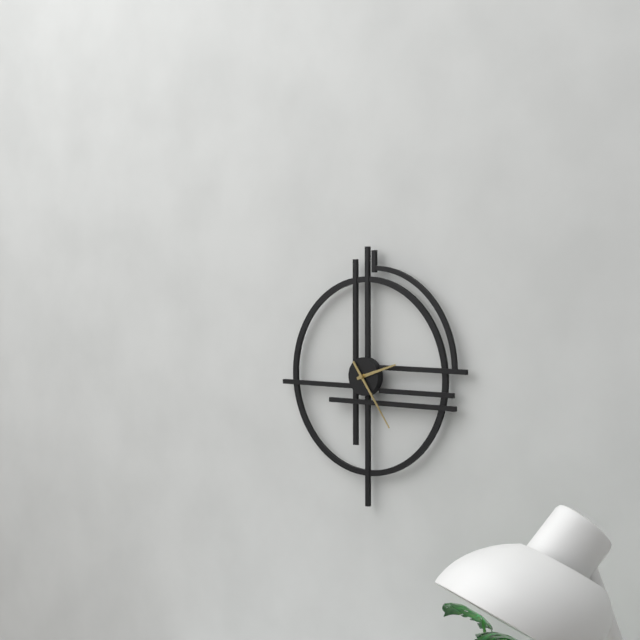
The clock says 2h24
